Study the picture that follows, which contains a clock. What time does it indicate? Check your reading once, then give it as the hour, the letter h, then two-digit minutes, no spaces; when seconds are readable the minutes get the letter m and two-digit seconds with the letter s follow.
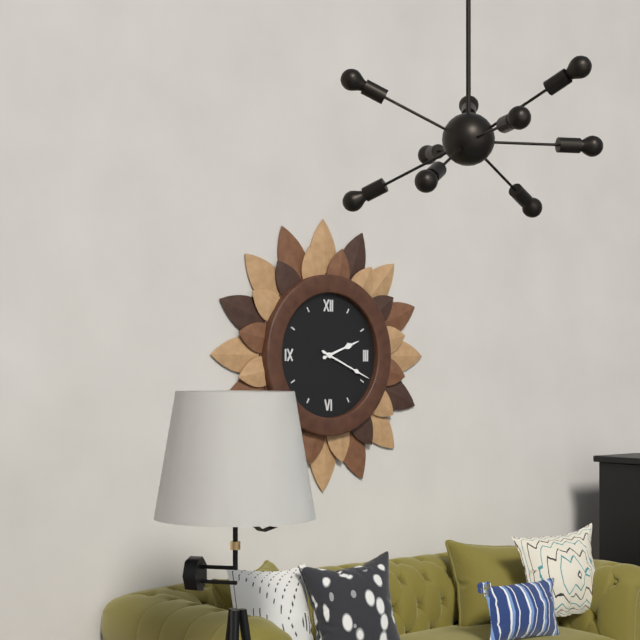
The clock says 2h19
